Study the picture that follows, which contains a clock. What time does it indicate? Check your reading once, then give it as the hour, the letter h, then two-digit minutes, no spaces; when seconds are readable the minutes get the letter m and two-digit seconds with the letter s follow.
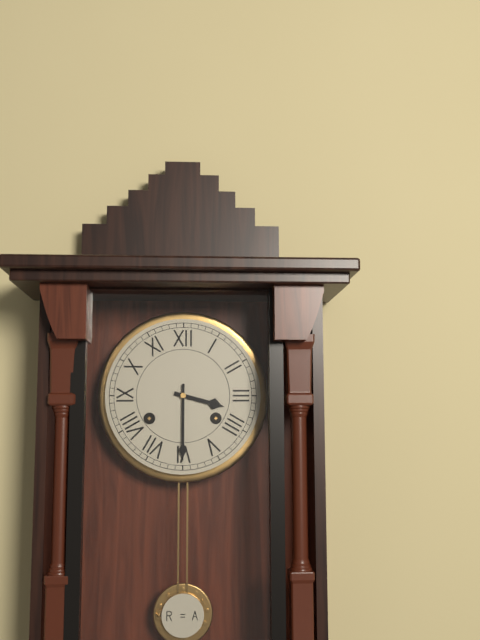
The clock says 3h30
